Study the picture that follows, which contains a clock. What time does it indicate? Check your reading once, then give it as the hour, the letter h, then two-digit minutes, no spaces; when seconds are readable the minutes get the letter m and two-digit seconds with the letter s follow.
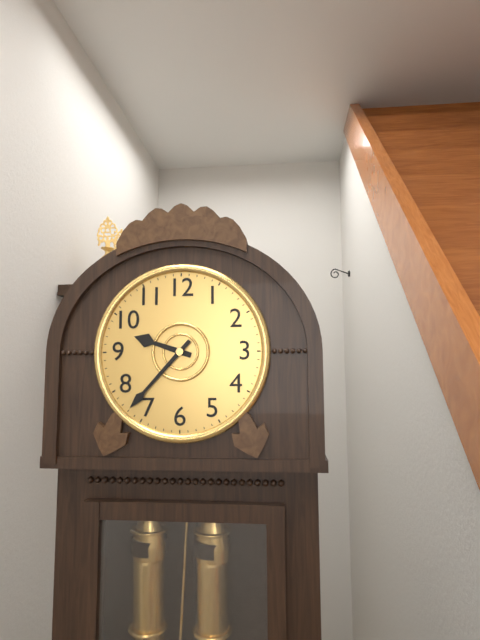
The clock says 9h37
